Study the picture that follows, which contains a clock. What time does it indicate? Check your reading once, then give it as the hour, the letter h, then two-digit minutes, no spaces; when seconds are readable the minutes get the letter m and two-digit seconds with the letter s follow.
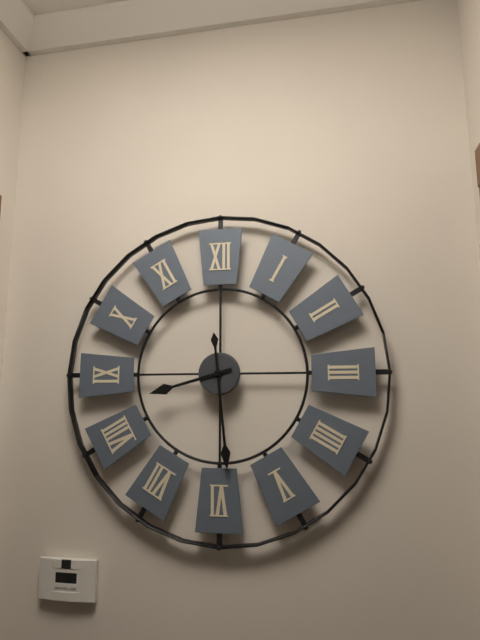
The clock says 8h29
